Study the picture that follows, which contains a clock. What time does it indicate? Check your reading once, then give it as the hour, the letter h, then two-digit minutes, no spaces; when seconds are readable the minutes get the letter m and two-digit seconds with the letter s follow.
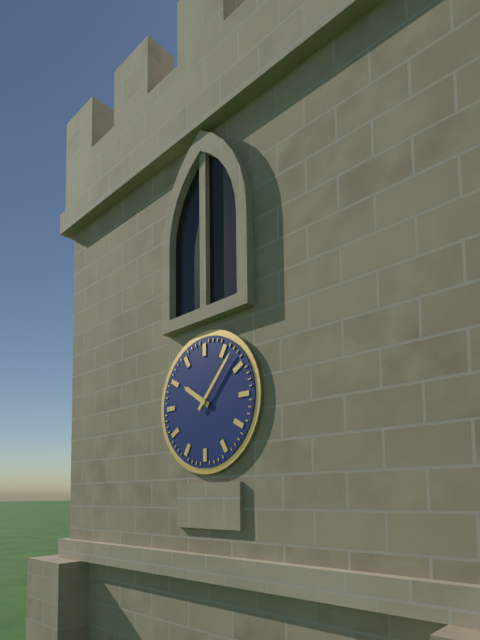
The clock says 10h07
